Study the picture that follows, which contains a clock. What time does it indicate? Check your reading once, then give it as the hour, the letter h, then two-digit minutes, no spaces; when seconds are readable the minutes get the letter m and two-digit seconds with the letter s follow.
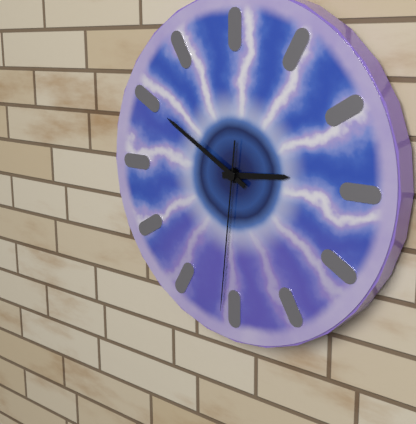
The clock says 2h50m31s
